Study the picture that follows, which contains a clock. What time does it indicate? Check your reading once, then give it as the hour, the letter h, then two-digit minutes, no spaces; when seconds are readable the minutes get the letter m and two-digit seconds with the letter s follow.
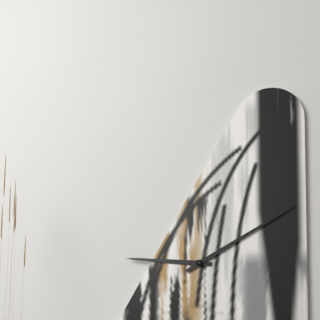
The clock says 9h10
